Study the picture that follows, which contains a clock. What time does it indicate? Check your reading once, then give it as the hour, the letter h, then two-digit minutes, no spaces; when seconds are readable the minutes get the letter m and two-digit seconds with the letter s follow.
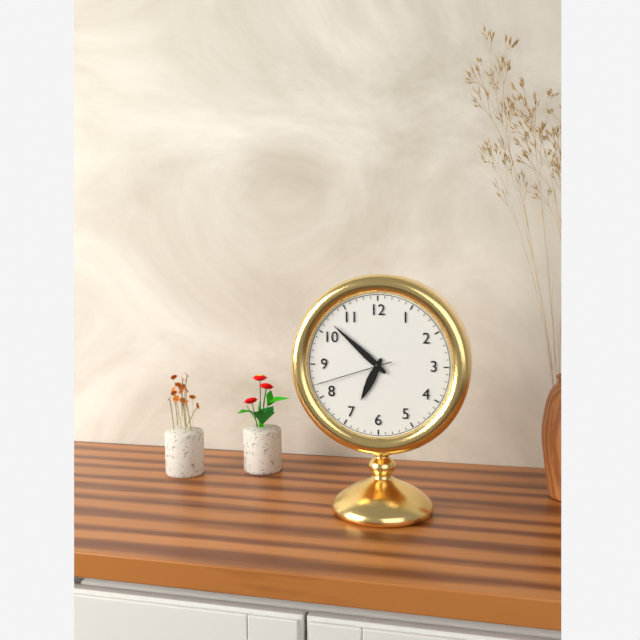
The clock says 6h52m42s
